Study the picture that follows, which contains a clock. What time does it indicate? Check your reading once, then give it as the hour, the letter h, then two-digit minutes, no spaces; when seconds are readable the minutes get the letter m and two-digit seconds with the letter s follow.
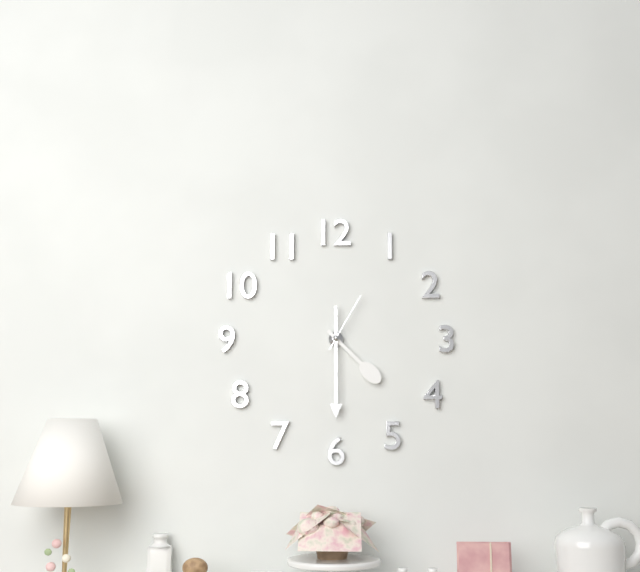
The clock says 4h30m05s
